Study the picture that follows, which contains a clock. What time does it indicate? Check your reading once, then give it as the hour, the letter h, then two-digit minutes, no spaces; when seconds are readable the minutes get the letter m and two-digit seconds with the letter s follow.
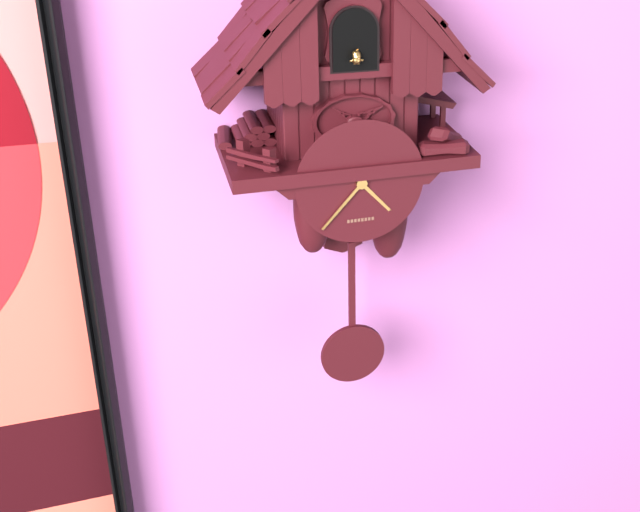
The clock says 4h37
